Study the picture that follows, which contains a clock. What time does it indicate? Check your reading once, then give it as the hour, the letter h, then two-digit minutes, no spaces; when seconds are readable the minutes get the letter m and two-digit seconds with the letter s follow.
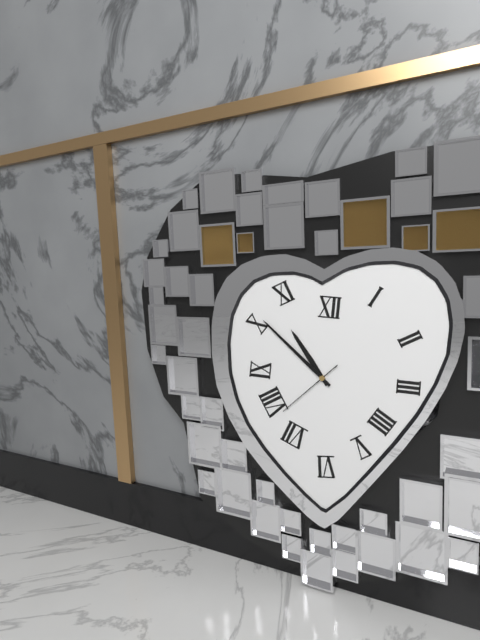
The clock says 10h52m38s
